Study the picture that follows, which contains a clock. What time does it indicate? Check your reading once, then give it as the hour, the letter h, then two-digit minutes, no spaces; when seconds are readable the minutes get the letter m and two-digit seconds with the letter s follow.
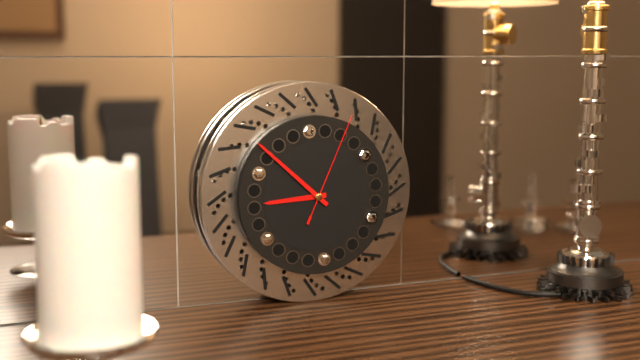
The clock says 8h52m04s
